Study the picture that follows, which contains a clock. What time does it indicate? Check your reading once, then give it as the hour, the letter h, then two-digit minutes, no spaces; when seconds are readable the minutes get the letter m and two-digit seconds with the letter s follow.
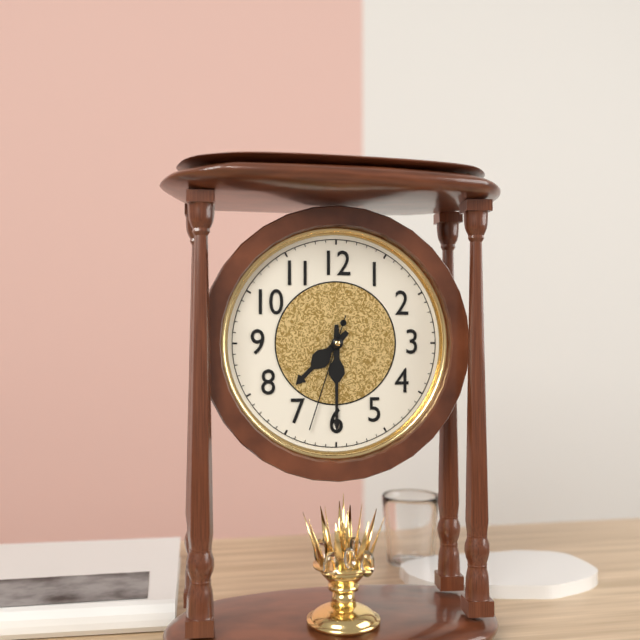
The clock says 7h30m33s
